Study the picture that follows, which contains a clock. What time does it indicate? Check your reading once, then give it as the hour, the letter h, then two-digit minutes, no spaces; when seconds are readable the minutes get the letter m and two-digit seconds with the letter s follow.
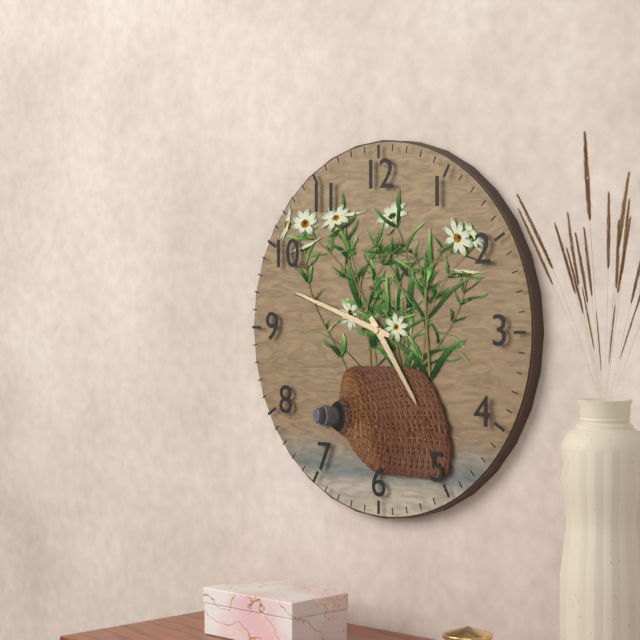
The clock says 4h48
